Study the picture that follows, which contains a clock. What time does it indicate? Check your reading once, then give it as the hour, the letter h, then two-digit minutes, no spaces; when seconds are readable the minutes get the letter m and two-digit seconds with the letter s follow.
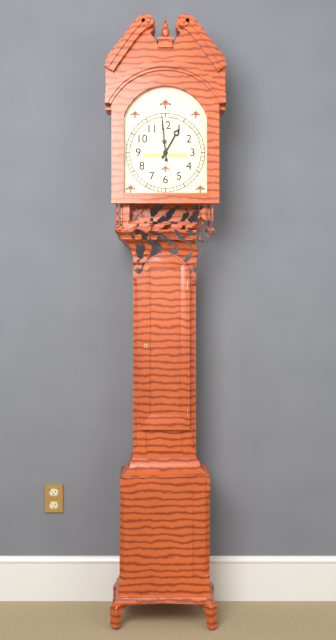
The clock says 12h59
